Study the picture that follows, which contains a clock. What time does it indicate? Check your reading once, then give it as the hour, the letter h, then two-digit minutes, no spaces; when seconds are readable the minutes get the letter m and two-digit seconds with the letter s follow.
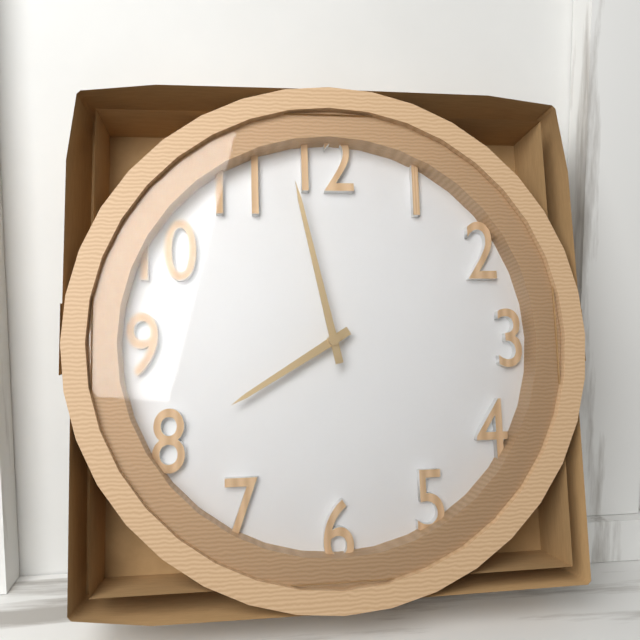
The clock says 7h58
